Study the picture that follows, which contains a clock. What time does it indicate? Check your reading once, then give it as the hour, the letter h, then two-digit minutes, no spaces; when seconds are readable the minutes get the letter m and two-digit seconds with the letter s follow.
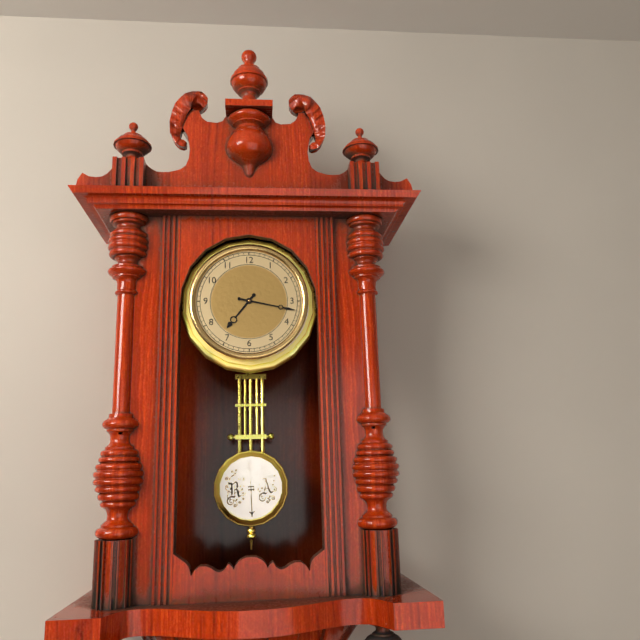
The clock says 7h17
